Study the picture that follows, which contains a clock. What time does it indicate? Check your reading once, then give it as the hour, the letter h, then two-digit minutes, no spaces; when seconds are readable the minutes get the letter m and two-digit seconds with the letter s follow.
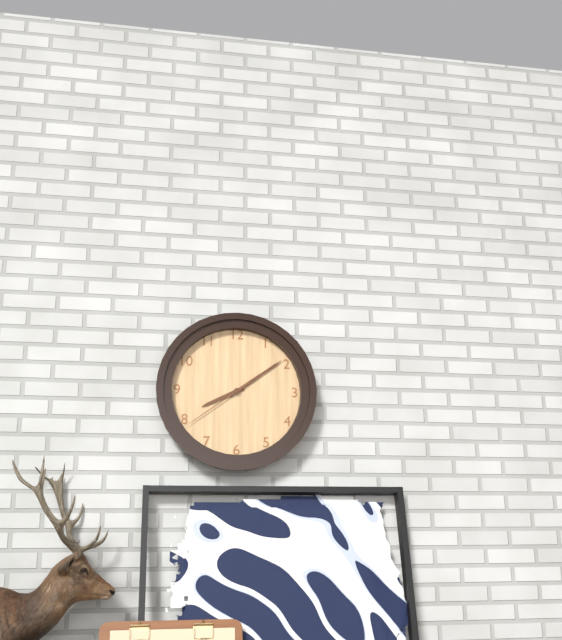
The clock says 8h09m39s
